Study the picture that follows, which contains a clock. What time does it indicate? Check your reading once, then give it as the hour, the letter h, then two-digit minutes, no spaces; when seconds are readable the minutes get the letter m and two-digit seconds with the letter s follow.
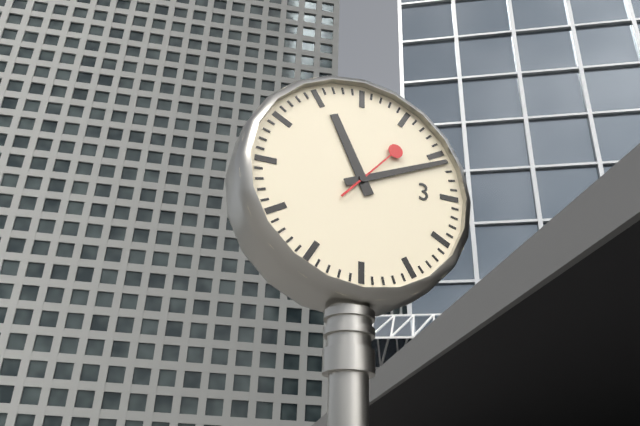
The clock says 11h11m07s
